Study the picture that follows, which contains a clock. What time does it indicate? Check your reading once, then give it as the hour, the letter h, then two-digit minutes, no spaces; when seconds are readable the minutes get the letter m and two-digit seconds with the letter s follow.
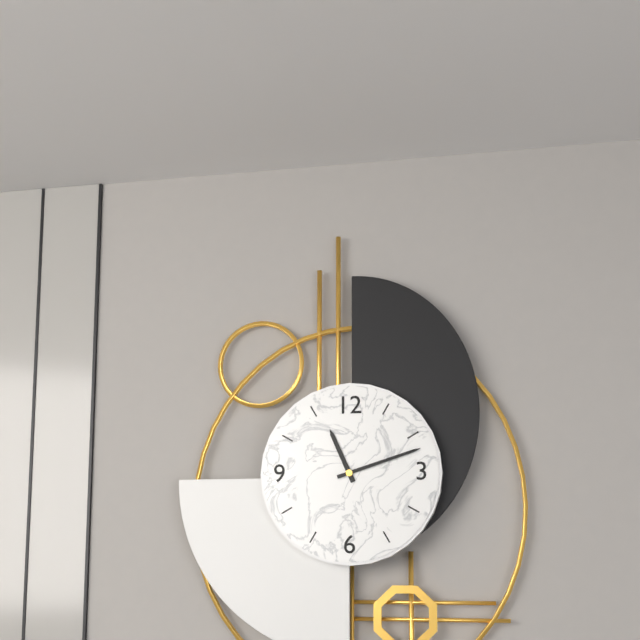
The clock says 11h12
